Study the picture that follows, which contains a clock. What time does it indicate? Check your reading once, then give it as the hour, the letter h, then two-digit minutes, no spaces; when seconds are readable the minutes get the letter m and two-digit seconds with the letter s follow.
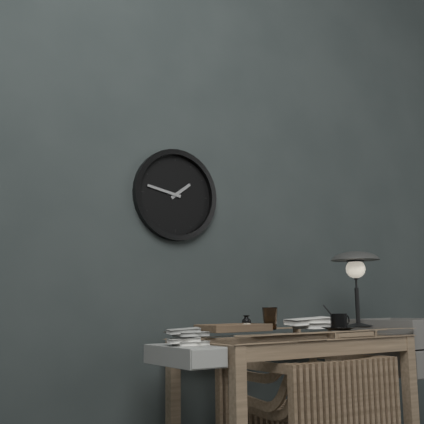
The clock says 1h47
